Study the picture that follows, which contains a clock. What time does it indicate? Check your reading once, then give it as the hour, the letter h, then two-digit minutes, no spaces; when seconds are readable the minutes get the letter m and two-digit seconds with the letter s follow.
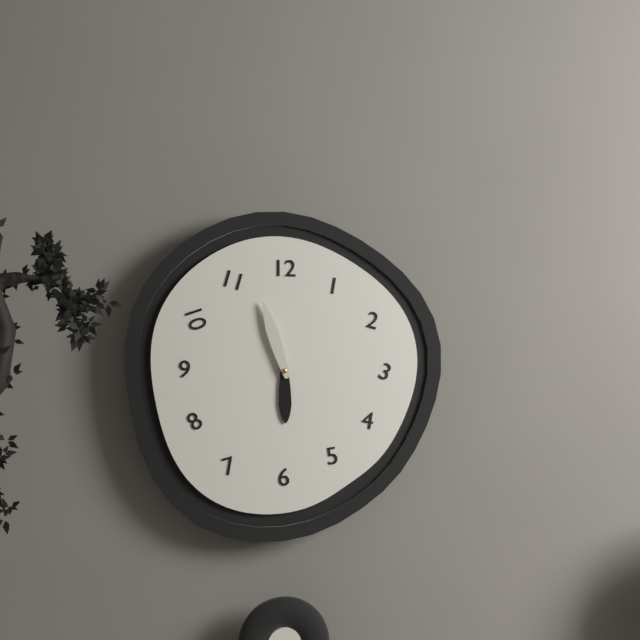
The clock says 5h57
